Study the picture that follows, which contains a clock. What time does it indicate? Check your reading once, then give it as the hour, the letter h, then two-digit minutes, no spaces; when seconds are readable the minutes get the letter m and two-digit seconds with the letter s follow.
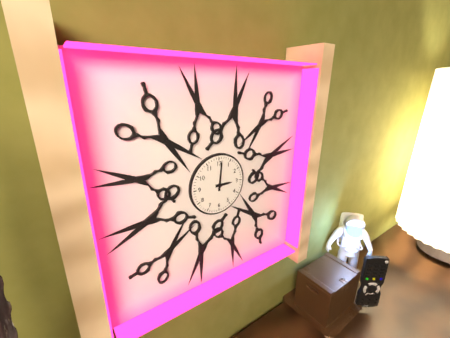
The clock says 3h01
